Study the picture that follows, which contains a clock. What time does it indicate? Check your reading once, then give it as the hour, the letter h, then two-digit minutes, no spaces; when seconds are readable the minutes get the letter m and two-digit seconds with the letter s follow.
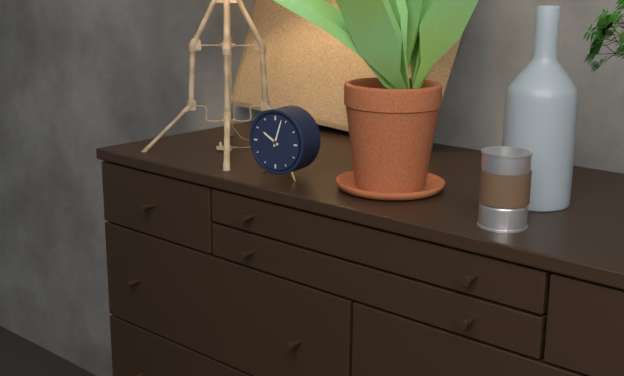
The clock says 10h03
